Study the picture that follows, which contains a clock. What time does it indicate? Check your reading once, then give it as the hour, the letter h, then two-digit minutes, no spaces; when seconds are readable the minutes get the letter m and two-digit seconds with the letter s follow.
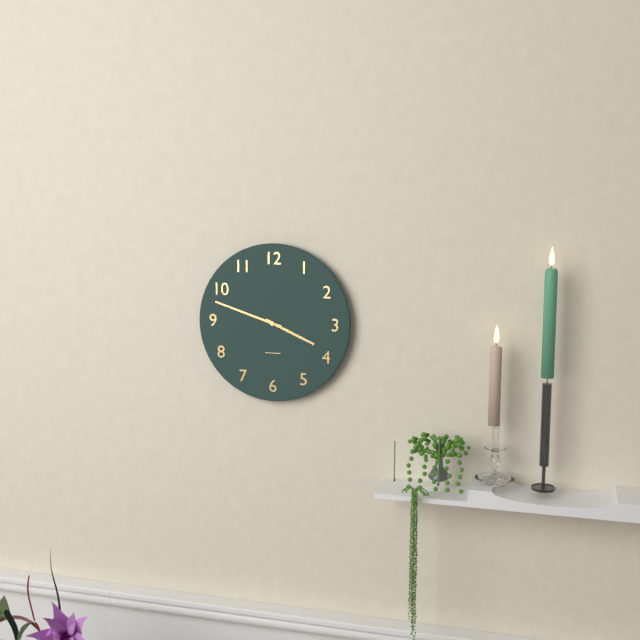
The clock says 3h48
